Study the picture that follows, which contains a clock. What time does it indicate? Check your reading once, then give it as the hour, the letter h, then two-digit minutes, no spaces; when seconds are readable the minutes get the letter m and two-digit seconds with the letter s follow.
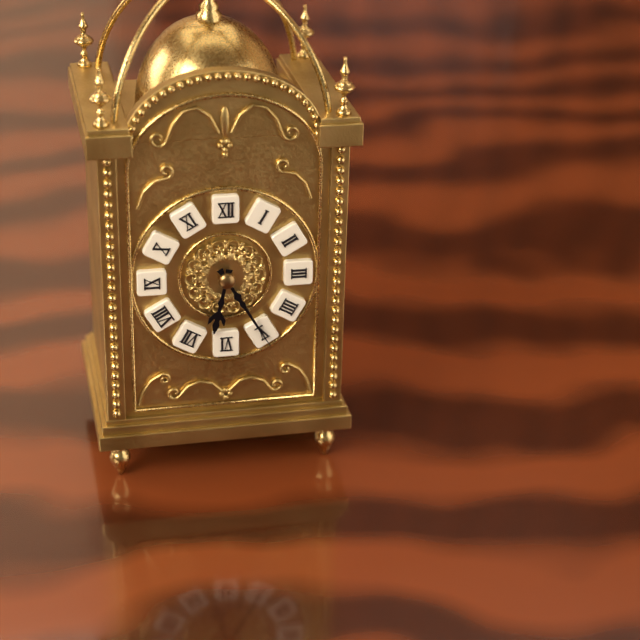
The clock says 6h25
